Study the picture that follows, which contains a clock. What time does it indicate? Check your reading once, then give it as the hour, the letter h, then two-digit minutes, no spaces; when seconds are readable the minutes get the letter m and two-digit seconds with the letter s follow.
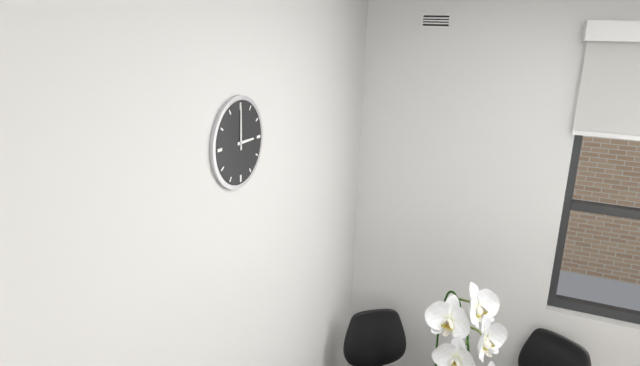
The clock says 3h00
